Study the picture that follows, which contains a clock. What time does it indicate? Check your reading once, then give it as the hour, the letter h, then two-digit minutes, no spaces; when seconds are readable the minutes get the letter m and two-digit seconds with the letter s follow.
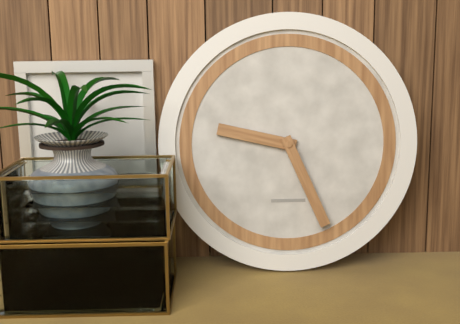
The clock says 9h26
